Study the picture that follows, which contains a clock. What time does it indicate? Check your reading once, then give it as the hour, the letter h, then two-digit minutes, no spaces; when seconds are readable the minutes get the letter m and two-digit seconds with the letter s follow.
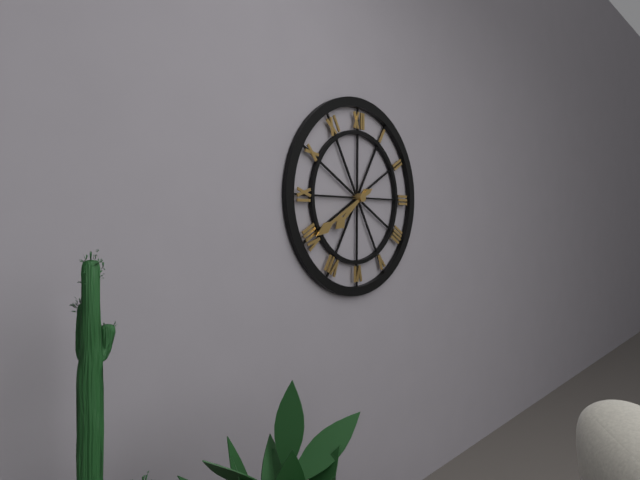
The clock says 7h40
